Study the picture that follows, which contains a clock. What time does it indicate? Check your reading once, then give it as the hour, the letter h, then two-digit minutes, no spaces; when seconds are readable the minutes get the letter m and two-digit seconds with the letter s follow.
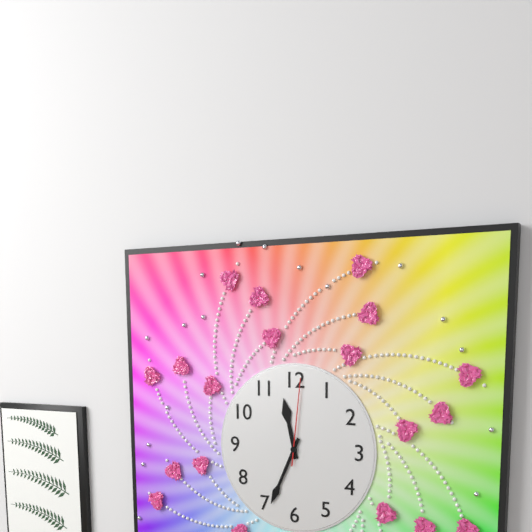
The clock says 11h34m01s
